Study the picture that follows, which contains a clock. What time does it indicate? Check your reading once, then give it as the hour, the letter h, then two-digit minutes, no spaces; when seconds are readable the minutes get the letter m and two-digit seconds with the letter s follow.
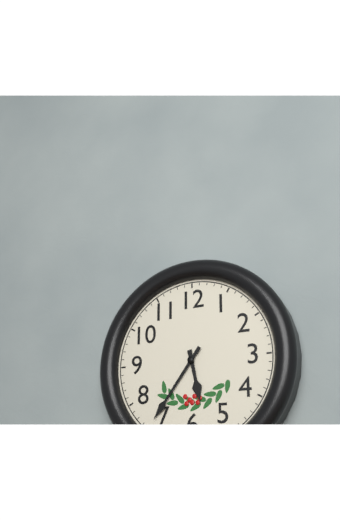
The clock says 5h36
